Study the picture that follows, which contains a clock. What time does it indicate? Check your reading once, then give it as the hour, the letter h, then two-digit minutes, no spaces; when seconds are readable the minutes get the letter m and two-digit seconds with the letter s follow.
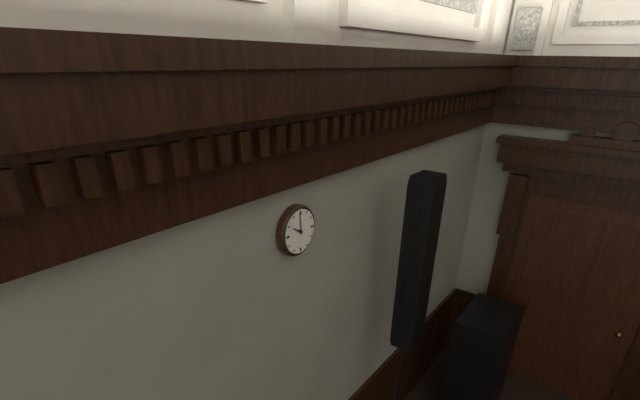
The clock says 9h59
